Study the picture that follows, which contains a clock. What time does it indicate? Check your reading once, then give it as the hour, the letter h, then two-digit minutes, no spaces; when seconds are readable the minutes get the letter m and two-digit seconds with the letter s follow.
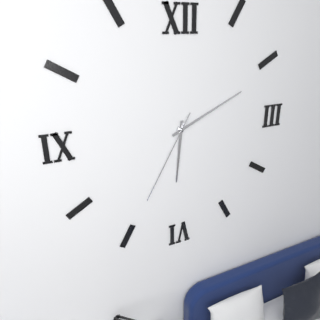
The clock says 6h11m35s
